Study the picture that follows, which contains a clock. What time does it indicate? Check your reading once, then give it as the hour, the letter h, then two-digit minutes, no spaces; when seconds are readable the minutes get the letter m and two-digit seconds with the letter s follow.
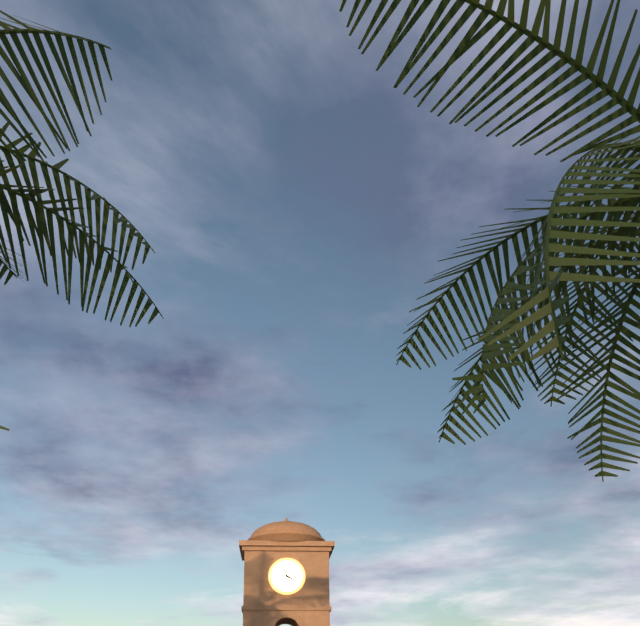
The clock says 3h56
